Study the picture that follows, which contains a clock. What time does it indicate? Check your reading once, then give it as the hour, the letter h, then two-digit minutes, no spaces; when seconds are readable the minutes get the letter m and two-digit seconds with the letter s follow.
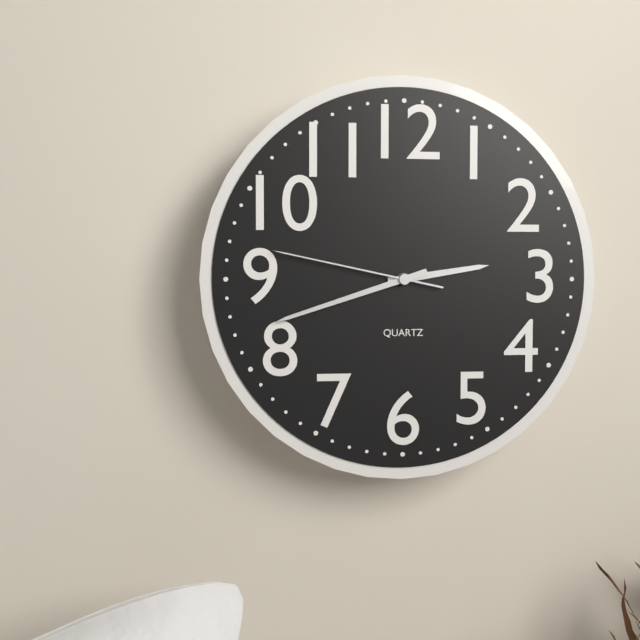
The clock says 2h42m47s
